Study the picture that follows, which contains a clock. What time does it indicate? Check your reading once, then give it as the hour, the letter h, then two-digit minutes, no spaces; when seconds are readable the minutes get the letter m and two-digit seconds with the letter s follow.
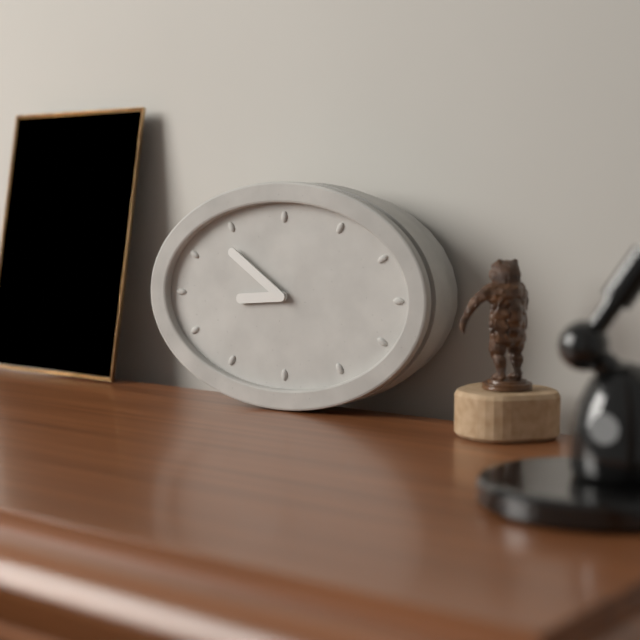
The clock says 8h51
